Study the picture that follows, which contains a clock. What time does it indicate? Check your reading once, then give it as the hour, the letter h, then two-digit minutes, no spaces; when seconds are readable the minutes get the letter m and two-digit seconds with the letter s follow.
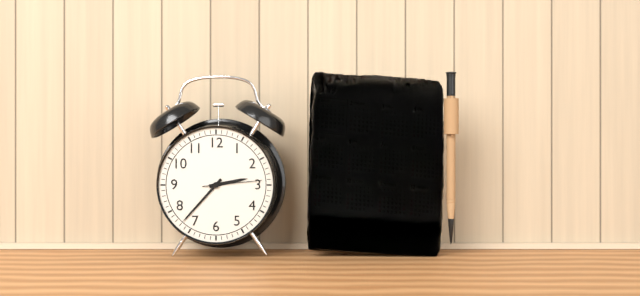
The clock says 2h37m14s
